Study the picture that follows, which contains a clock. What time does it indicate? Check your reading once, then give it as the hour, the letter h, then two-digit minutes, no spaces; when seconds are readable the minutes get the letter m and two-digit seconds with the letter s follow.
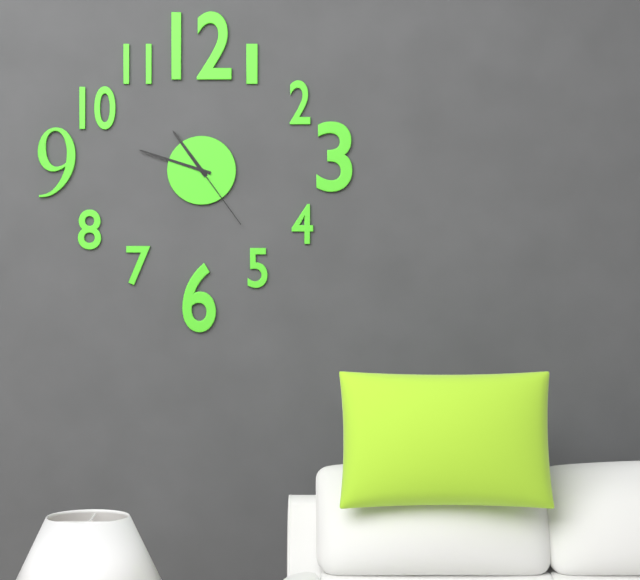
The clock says 10h48m24s
